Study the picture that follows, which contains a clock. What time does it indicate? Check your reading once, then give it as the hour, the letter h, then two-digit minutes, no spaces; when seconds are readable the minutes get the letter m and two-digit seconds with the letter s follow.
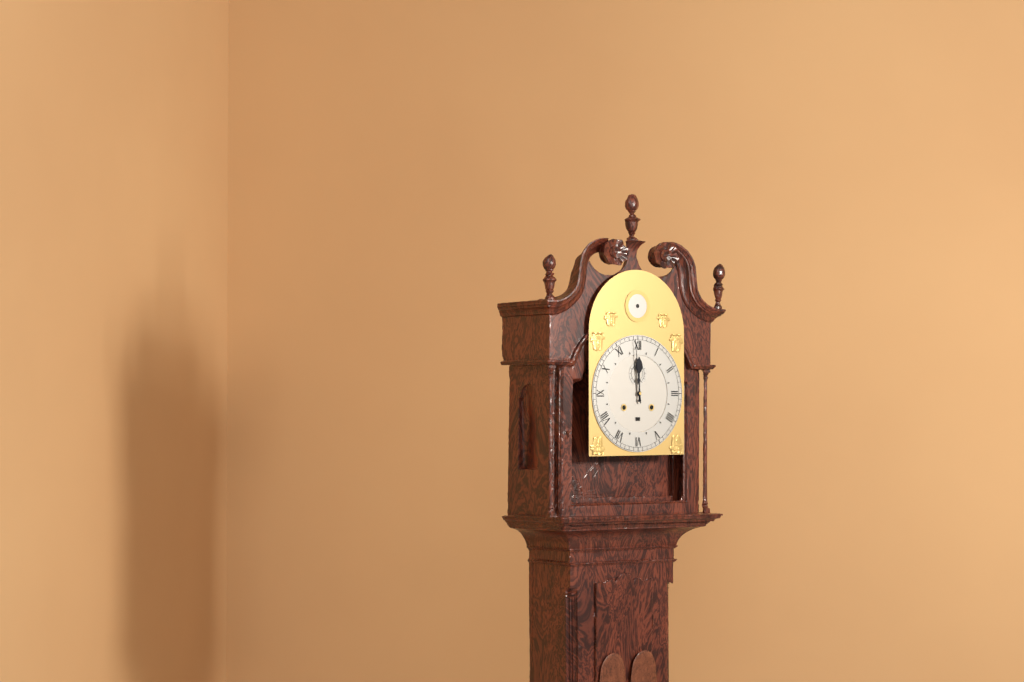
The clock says 11h59
